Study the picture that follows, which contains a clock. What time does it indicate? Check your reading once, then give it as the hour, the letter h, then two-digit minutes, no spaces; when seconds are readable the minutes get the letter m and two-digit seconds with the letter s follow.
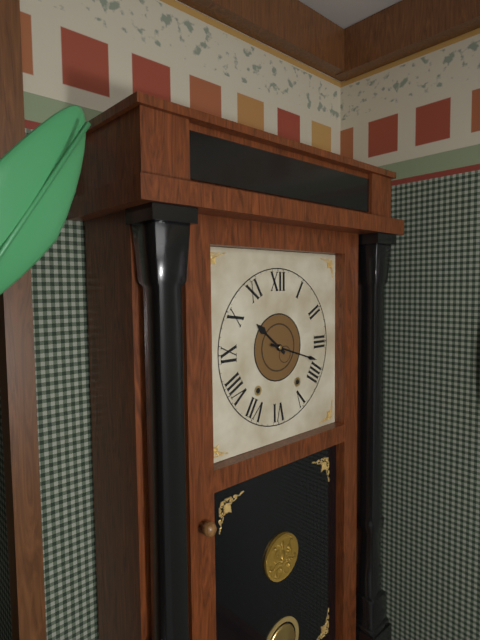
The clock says 10h18
